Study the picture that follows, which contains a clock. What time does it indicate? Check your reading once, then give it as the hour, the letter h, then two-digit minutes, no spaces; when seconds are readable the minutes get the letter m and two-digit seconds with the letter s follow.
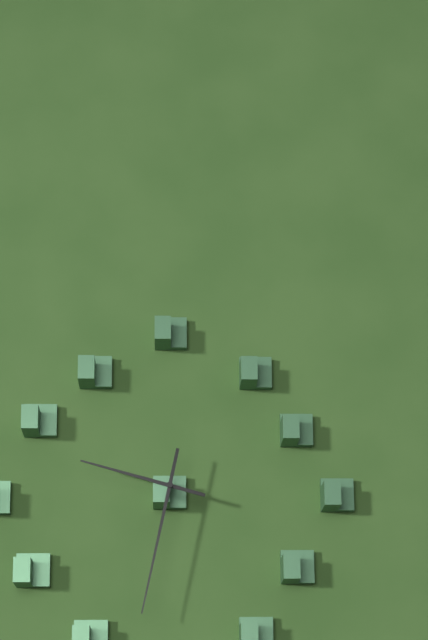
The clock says 9h32
